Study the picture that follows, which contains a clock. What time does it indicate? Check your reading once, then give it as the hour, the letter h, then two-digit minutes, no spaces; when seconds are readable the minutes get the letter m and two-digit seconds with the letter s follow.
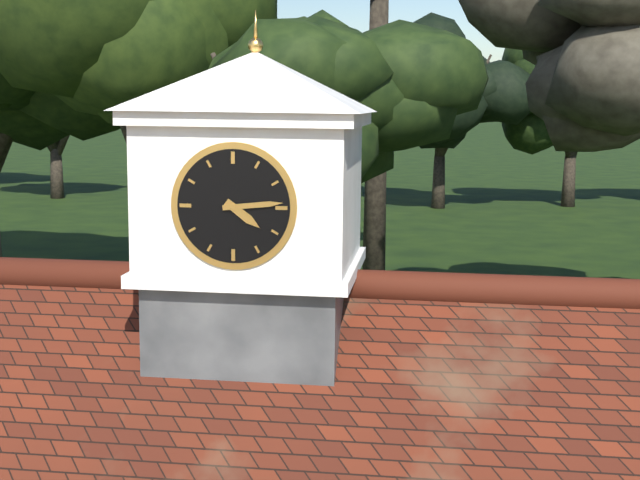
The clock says 4h14
